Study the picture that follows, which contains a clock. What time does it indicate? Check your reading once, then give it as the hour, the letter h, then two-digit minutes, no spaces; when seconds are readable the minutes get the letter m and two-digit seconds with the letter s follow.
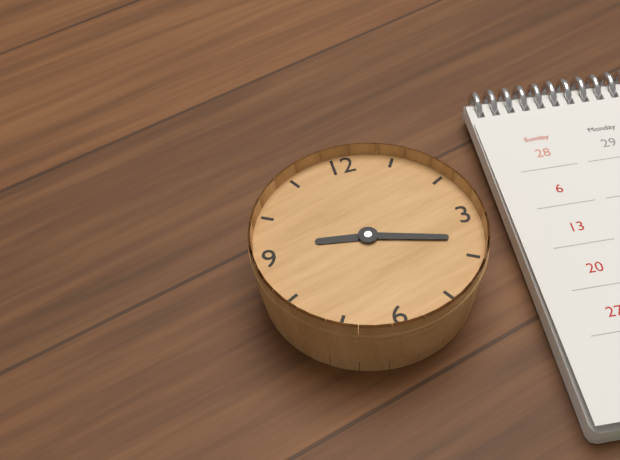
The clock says 9h18
